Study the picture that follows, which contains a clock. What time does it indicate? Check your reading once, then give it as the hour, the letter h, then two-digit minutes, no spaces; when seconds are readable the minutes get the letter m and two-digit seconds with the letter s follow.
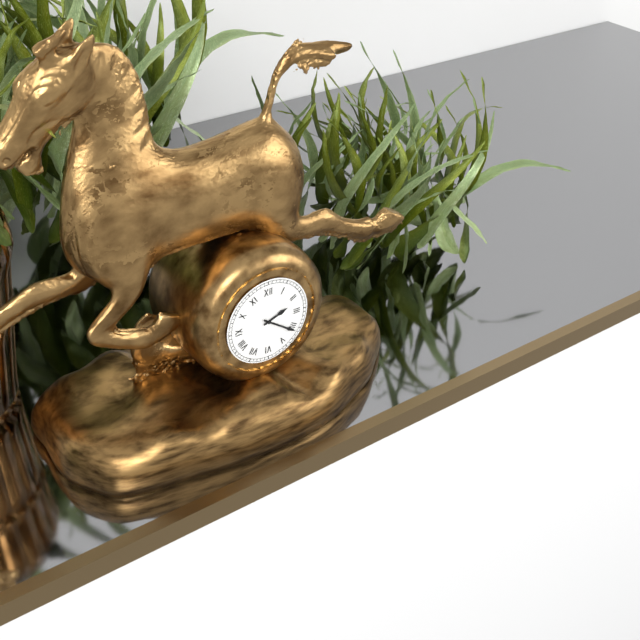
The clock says 2h21
